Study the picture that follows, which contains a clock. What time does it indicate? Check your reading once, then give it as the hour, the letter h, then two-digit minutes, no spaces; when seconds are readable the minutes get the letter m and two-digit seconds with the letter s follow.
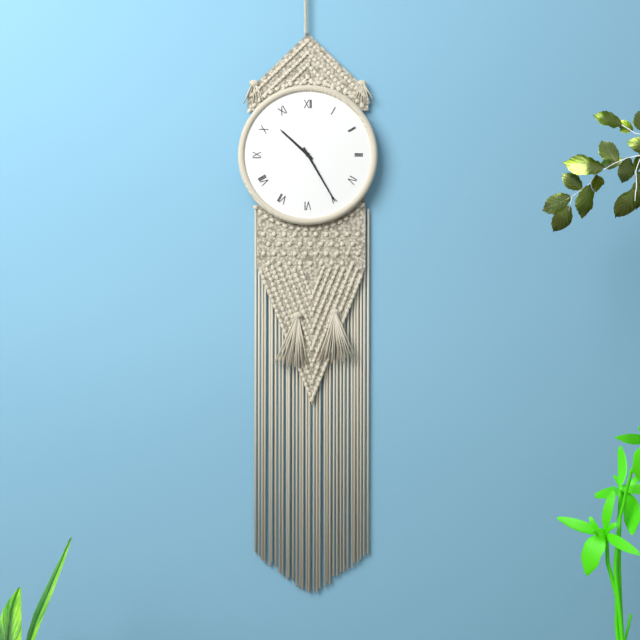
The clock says 10h25
